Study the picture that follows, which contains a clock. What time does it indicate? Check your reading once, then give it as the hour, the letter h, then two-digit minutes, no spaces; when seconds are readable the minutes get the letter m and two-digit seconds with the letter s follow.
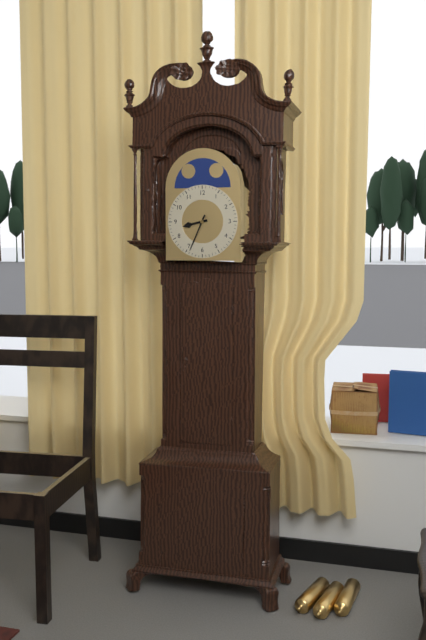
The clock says 8h34
